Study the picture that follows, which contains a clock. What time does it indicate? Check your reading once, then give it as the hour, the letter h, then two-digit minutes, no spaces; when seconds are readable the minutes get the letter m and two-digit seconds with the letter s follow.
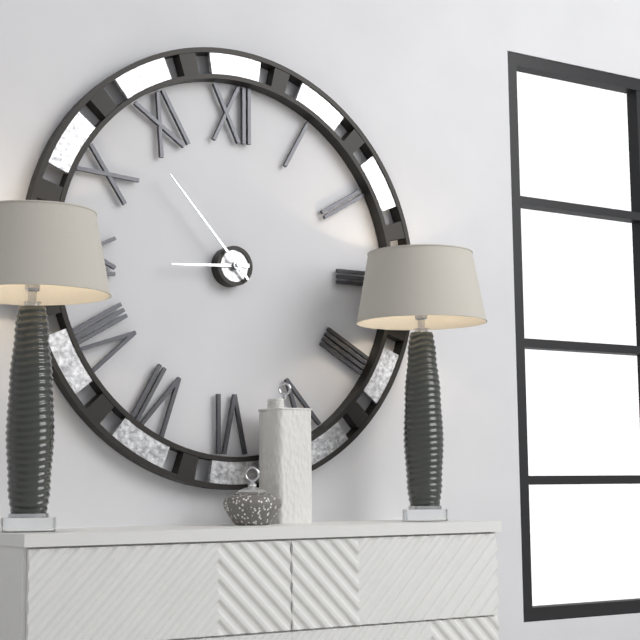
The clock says 8h53
